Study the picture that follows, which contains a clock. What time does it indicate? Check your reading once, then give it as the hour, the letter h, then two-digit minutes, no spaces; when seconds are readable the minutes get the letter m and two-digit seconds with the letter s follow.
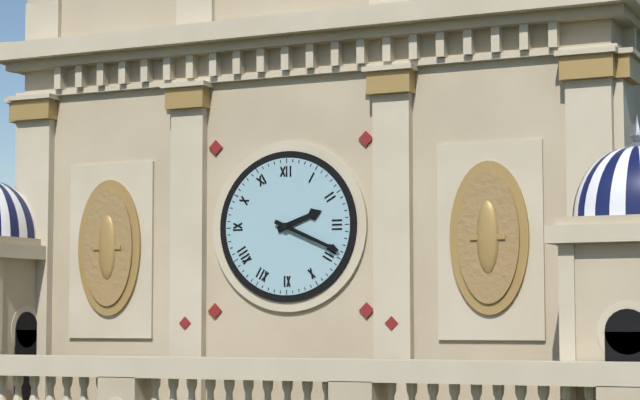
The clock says 2h19
